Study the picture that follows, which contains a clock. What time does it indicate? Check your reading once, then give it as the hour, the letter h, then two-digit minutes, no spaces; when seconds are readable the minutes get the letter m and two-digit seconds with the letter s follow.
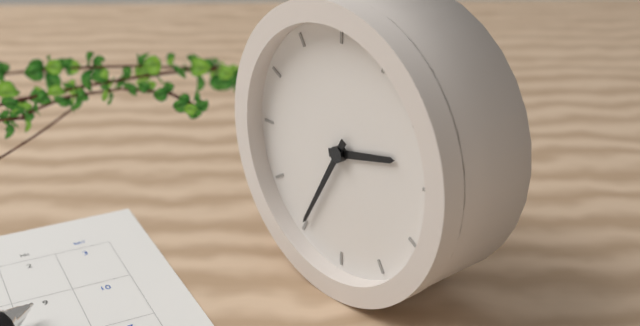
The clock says 2h35
